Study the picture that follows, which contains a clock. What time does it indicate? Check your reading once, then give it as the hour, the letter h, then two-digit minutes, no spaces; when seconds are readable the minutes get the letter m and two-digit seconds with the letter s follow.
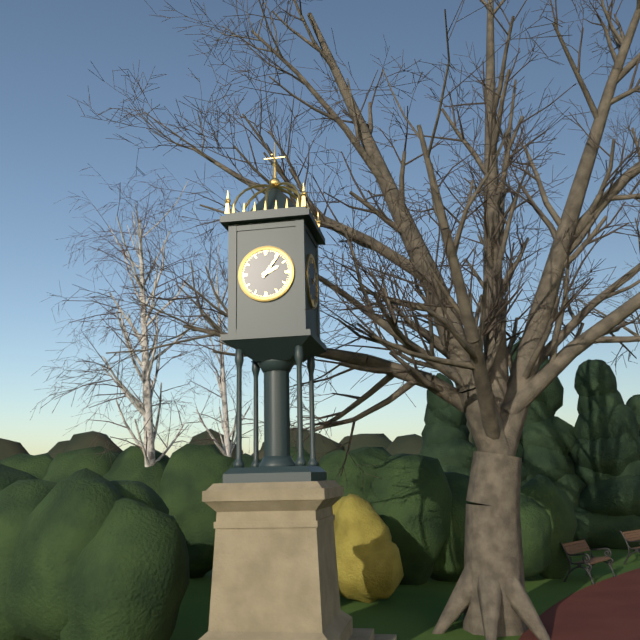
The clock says 2h06
